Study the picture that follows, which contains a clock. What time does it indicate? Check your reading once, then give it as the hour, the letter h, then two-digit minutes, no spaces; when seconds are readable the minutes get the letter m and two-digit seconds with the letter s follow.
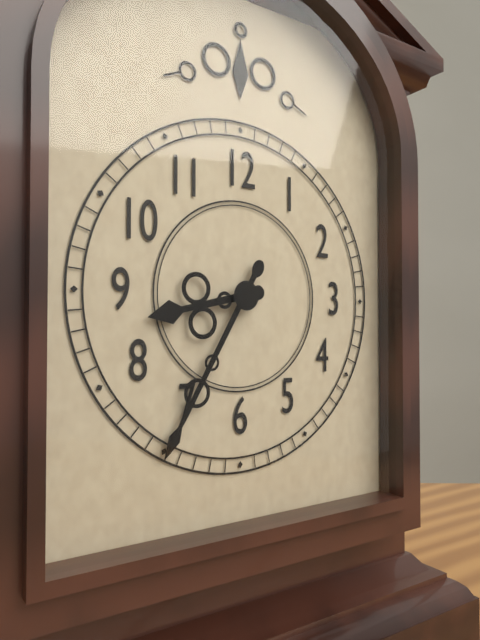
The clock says 8h35
